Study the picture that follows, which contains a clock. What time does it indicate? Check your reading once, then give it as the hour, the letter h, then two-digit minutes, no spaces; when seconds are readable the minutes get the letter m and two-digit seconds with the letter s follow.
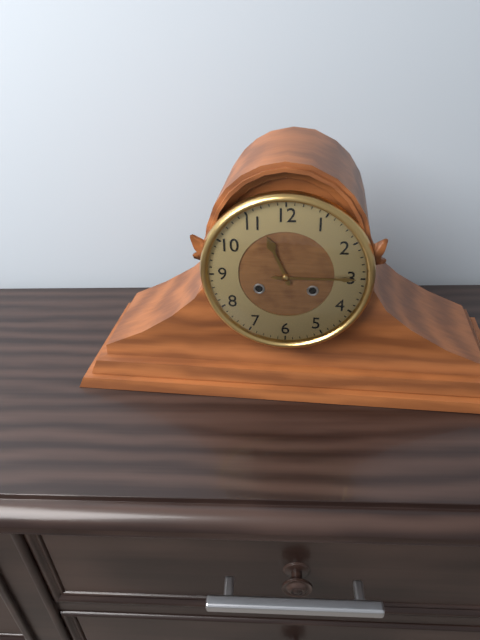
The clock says 11h15
